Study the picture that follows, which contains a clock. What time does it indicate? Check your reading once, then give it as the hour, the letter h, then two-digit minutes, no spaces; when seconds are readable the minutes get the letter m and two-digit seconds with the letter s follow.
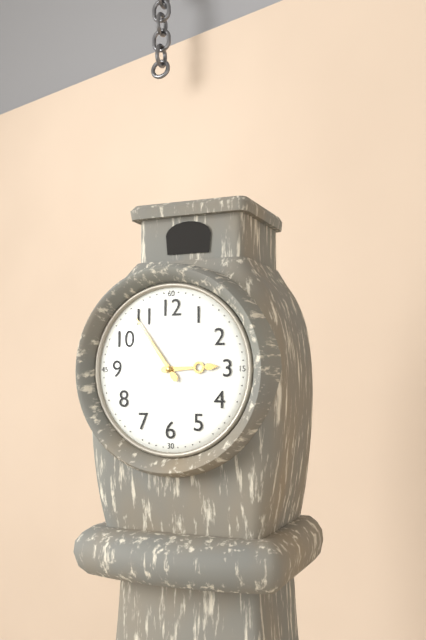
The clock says 2h54
